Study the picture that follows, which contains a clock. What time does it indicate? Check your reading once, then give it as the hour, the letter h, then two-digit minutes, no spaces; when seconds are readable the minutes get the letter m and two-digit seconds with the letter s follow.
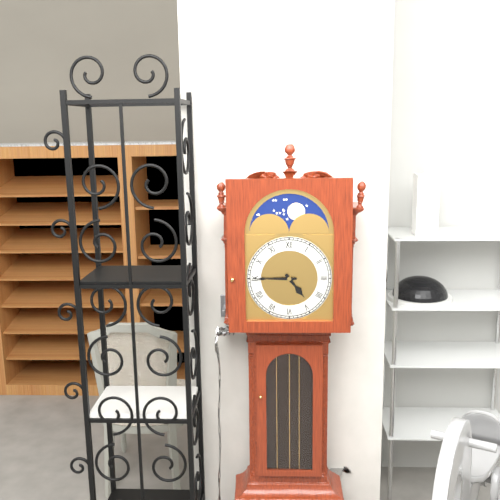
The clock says 4h45
